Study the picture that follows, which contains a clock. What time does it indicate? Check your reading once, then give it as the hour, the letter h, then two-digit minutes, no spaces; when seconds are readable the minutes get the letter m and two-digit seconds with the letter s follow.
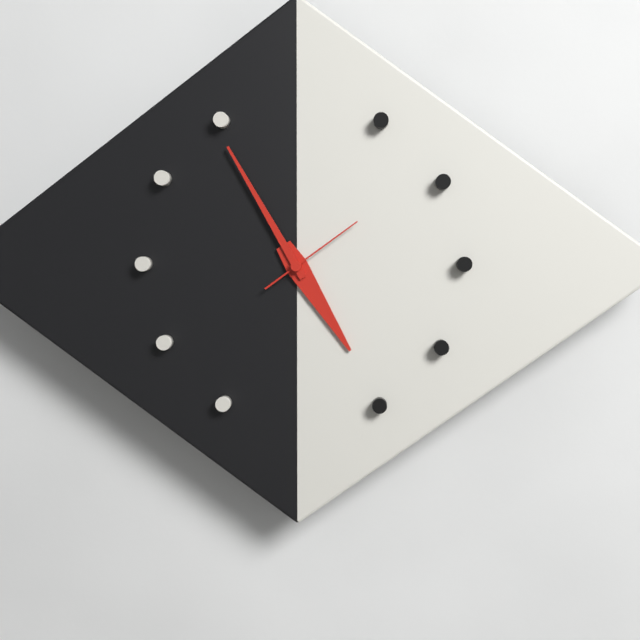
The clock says 4h55m09s
